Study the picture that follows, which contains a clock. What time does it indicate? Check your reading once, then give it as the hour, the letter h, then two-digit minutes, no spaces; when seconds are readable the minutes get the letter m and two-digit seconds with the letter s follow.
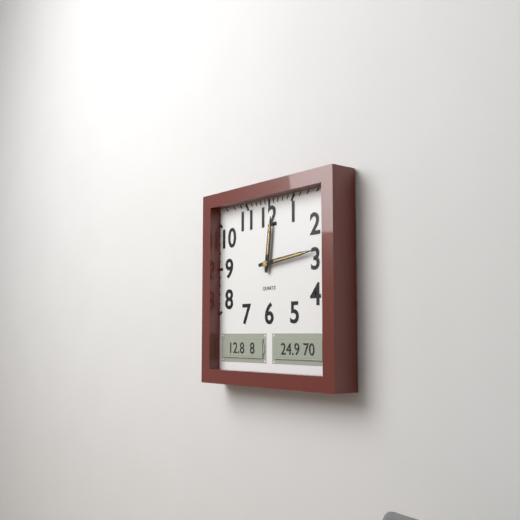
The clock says 12h14
